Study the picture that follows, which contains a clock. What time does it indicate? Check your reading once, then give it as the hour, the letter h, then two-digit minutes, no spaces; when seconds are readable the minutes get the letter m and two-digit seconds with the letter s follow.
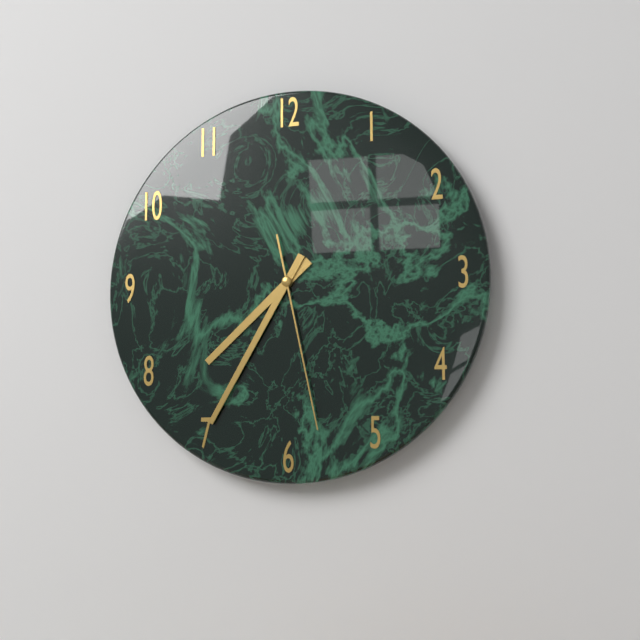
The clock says 7h35m28s
